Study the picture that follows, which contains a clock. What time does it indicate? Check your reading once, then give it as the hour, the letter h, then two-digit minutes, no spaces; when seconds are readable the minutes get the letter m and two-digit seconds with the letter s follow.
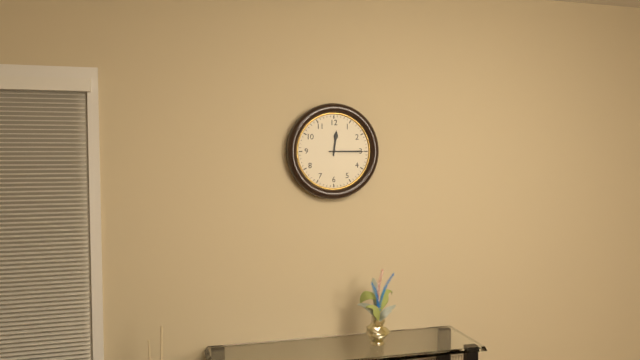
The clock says 12h15
